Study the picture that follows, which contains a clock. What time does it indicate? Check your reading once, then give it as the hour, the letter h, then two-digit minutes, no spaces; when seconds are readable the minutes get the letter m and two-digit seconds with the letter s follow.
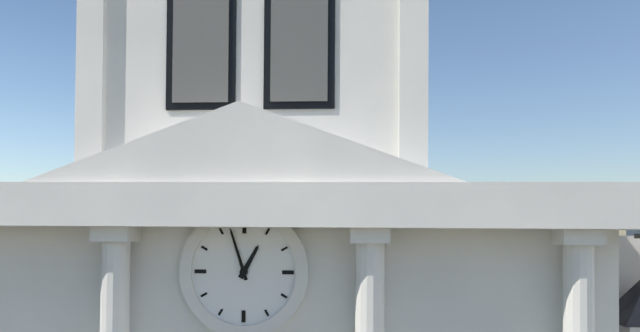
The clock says 12h57
